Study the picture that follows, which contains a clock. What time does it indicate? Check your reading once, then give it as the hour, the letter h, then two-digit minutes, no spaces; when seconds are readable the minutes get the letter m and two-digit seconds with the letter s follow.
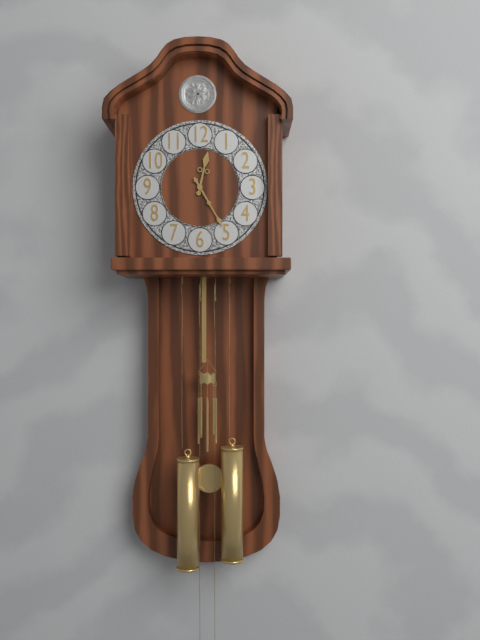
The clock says 12h25
